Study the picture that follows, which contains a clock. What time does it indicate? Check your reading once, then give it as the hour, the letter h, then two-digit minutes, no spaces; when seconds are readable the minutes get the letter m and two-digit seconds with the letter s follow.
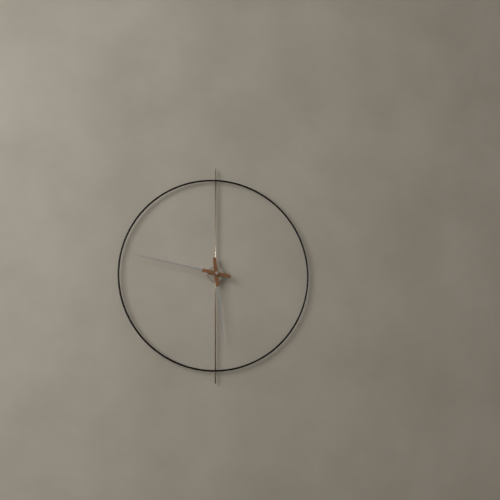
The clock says 5h47
